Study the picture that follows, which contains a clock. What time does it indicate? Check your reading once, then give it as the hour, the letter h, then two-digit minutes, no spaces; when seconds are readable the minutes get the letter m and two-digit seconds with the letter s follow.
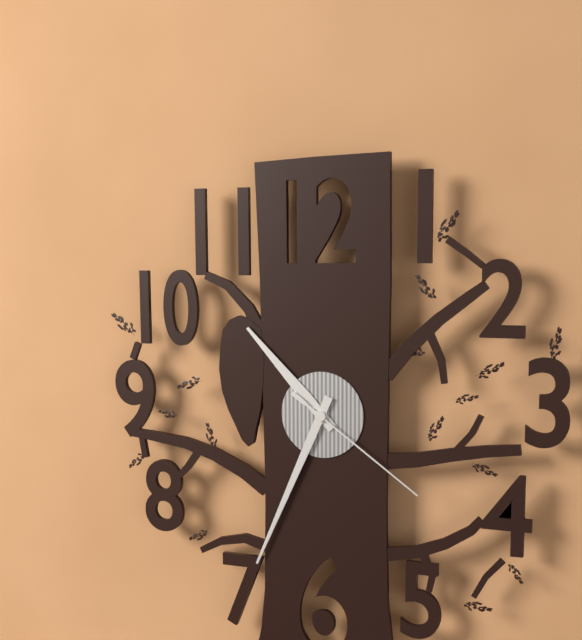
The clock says 10h34m21s
